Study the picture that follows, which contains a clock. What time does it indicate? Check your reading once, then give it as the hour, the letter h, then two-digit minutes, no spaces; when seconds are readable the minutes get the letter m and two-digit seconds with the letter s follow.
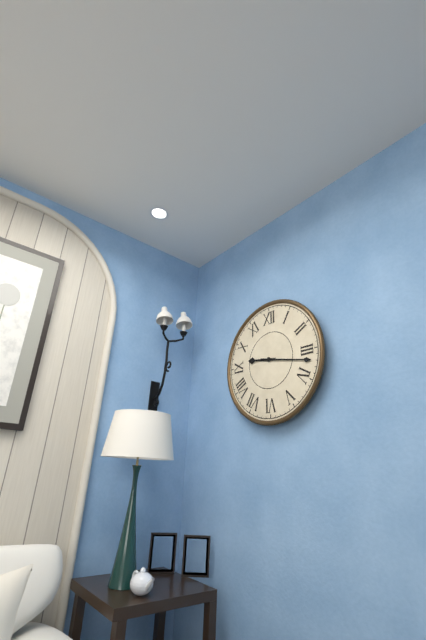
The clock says 9h17
